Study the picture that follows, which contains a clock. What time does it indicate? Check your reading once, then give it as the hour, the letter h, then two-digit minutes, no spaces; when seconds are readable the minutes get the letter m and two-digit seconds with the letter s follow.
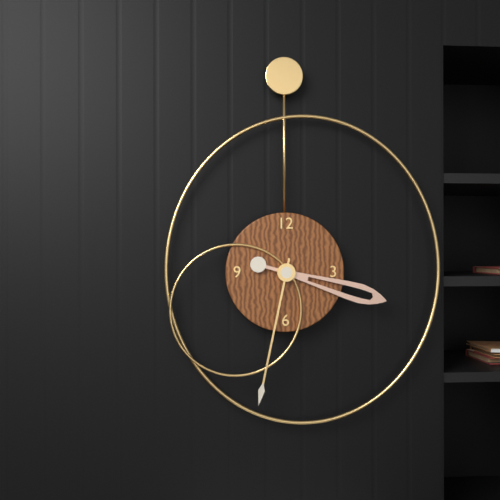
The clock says 3h32
